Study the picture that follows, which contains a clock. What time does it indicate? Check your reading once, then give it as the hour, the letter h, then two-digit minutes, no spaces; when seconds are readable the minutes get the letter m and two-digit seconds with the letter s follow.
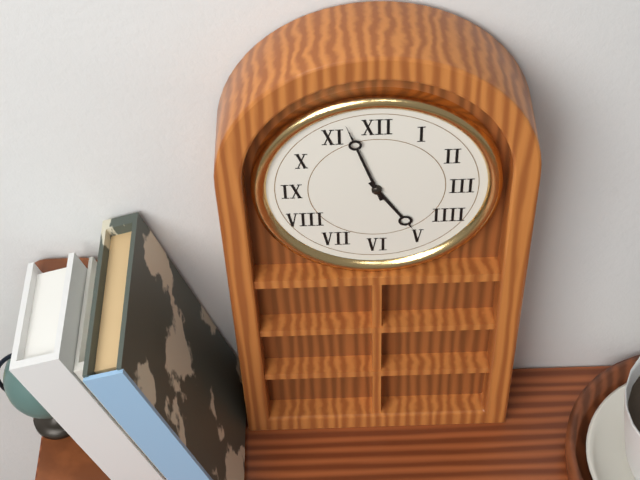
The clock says 4h57
